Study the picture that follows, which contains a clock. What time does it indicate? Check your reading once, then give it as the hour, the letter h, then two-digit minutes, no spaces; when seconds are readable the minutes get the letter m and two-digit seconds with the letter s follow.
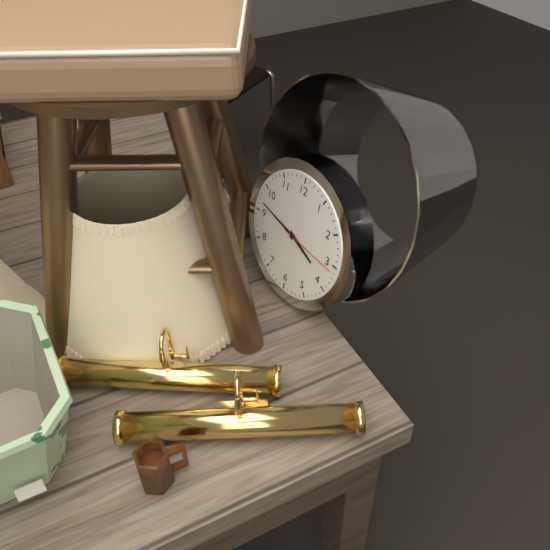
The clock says 3h47m16s
